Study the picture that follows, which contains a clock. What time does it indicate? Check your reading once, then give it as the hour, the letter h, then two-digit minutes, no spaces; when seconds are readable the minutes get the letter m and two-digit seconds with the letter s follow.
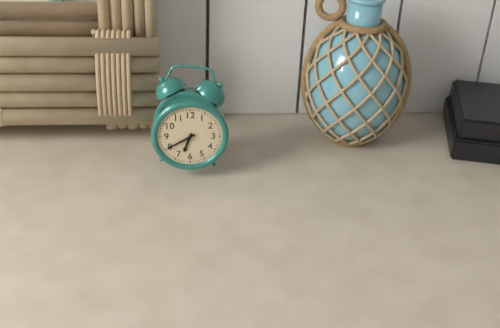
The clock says 6h40
